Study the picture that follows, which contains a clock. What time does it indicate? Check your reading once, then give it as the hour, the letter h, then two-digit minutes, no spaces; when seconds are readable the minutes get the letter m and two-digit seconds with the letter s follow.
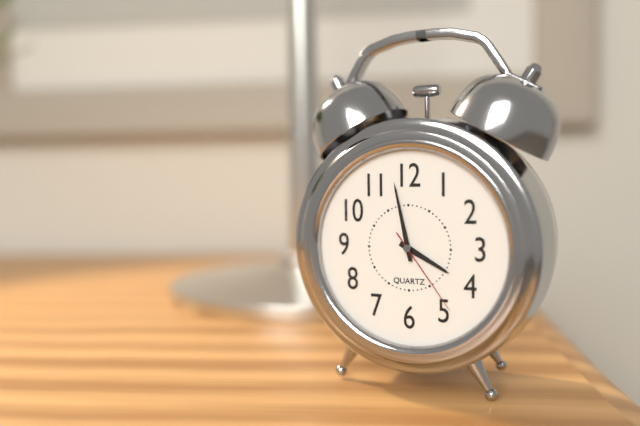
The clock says 3h58m24s
